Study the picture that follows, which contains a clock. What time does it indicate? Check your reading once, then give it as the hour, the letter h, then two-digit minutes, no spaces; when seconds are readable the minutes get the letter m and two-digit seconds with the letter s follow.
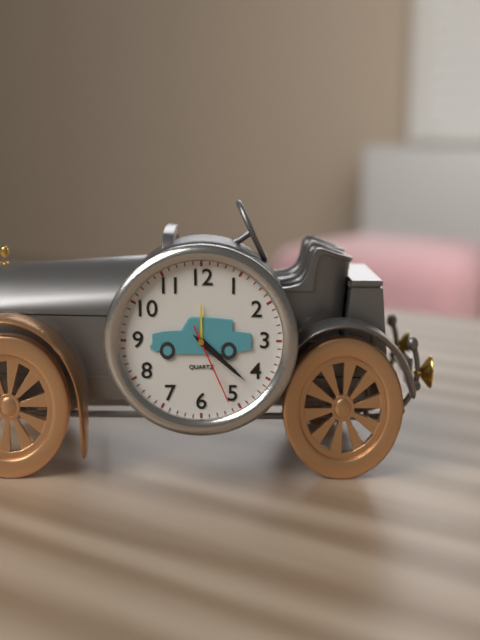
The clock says 4h22m26s
